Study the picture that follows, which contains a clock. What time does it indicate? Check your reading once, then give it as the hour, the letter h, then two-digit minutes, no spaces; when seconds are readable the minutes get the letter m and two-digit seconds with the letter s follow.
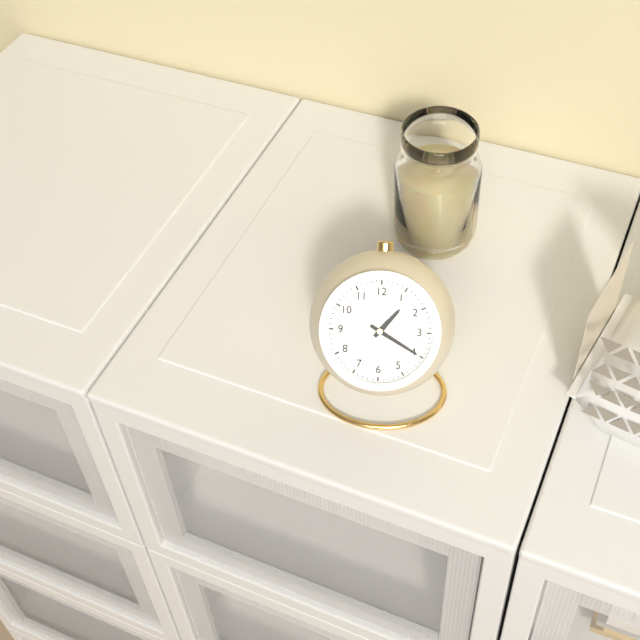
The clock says 1h20
